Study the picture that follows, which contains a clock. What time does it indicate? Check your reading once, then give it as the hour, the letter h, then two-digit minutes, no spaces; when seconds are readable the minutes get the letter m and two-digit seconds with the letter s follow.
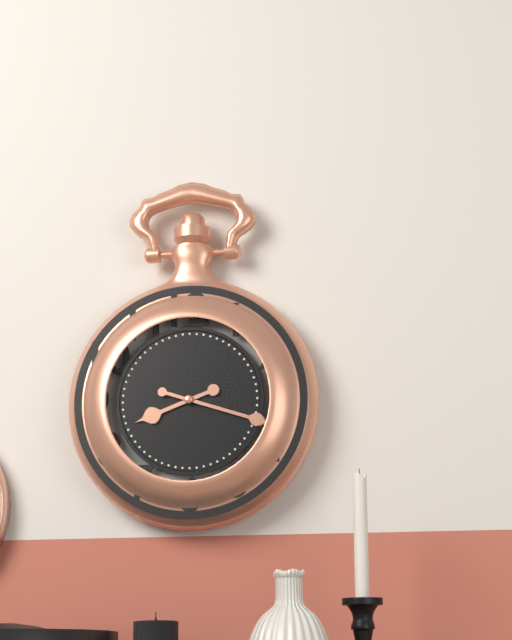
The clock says 8h18
